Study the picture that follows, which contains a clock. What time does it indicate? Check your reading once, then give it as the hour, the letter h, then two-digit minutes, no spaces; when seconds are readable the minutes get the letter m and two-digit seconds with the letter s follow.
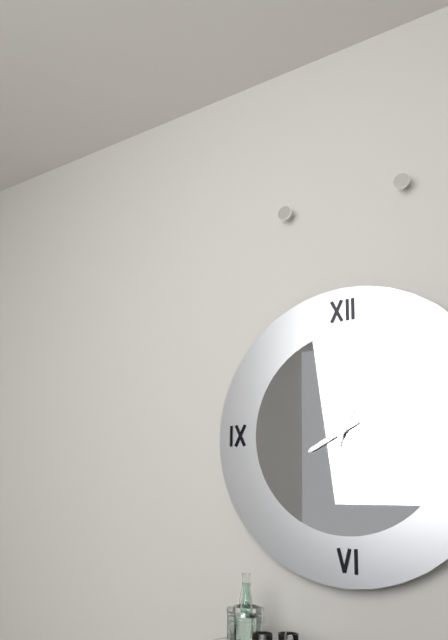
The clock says 8h04
